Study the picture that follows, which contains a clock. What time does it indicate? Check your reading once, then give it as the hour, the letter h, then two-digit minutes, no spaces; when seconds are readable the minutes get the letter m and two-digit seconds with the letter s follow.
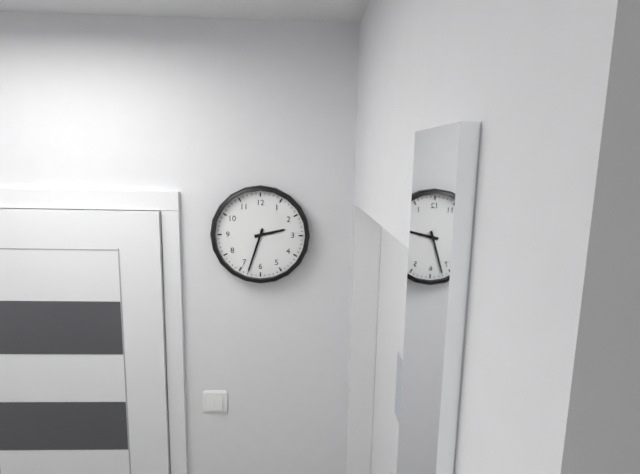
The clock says 2h33
